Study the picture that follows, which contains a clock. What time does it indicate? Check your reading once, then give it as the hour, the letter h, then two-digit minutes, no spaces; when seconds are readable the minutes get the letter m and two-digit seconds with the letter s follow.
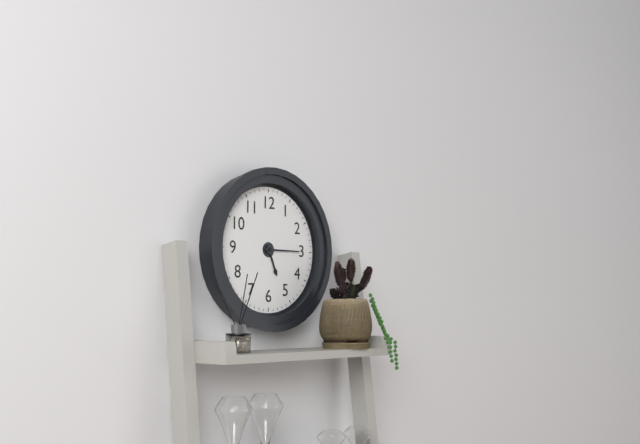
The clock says 5h15
